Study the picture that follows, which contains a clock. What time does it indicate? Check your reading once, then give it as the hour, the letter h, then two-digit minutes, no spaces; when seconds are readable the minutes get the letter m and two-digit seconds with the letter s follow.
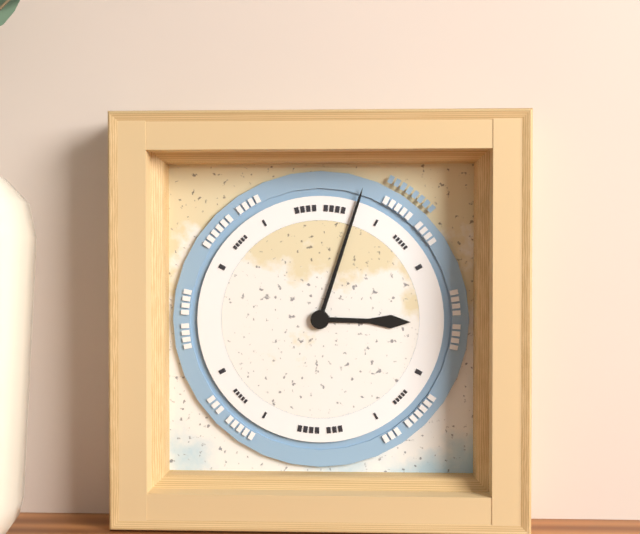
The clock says 3h03
